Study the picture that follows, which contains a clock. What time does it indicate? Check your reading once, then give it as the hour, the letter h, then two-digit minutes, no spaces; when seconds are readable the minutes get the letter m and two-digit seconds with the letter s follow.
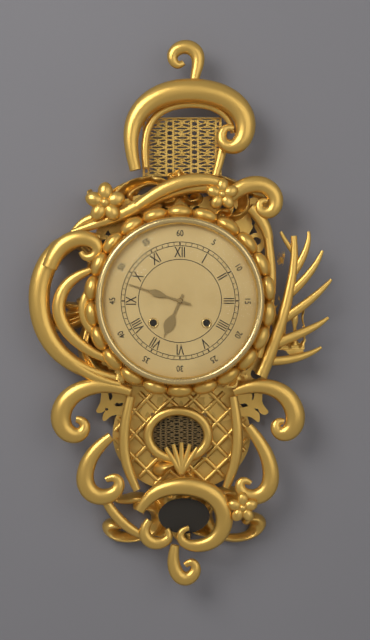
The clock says 6h48
